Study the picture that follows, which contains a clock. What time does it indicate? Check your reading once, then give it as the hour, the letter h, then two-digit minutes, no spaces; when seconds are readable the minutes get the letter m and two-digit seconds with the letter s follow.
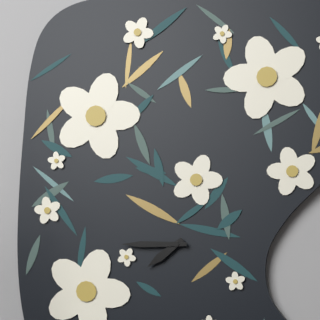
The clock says 7h45
